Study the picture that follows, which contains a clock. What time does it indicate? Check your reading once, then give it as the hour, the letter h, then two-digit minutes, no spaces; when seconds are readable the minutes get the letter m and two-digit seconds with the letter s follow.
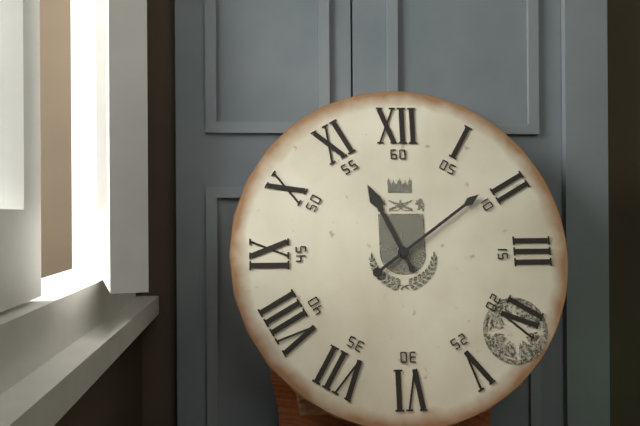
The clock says 11h09
